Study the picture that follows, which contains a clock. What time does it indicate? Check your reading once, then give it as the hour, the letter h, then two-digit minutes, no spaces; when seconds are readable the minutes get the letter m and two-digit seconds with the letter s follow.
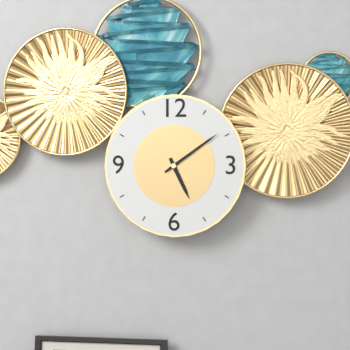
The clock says 5h09
